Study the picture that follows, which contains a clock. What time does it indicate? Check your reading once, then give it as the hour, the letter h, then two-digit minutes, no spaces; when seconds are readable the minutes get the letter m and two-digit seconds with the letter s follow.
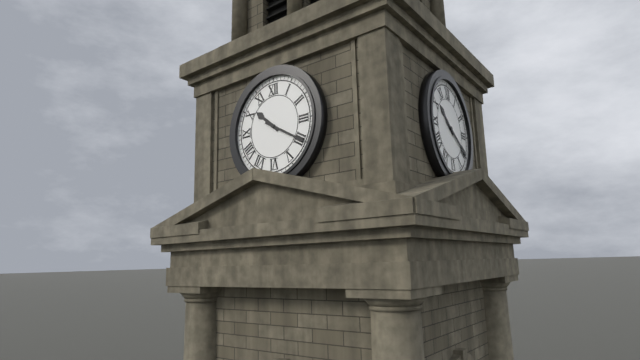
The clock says 10h20
